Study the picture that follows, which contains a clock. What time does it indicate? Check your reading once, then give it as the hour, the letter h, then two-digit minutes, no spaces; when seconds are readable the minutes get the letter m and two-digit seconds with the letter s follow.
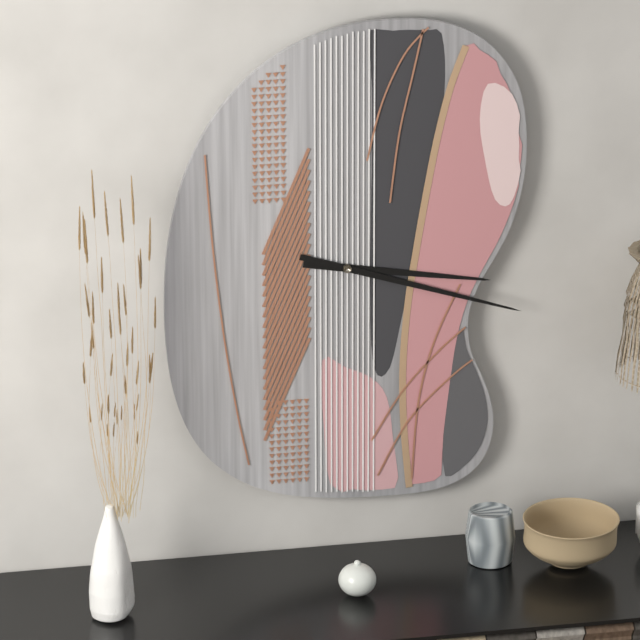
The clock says 3h18
